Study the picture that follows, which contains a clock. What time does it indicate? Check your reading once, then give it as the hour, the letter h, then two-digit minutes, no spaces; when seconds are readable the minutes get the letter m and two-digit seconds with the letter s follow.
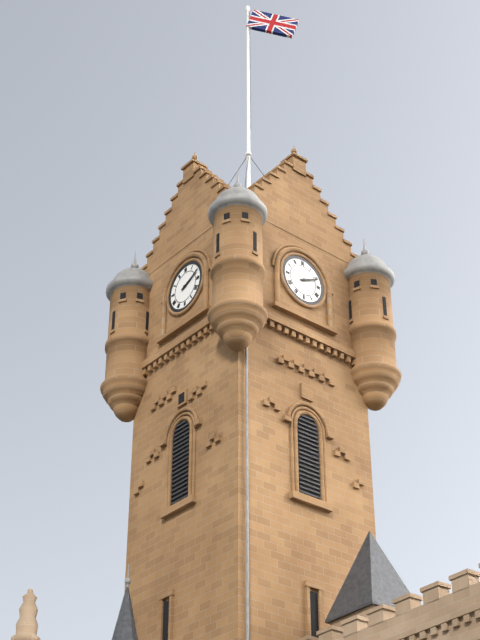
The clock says 2h11
